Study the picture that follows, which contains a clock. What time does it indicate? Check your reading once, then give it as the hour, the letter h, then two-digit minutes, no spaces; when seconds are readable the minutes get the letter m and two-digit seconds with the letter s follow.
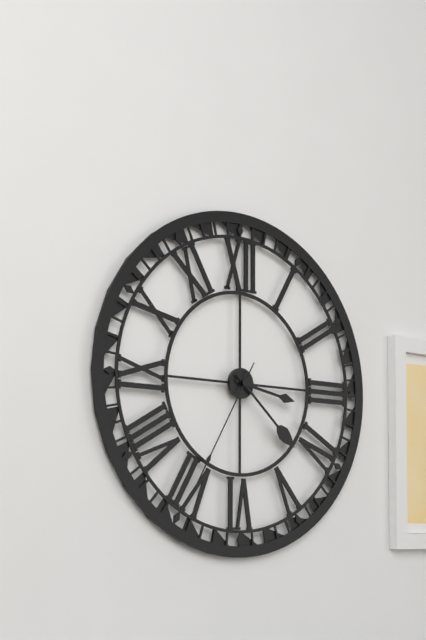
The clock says 3h22m35s
